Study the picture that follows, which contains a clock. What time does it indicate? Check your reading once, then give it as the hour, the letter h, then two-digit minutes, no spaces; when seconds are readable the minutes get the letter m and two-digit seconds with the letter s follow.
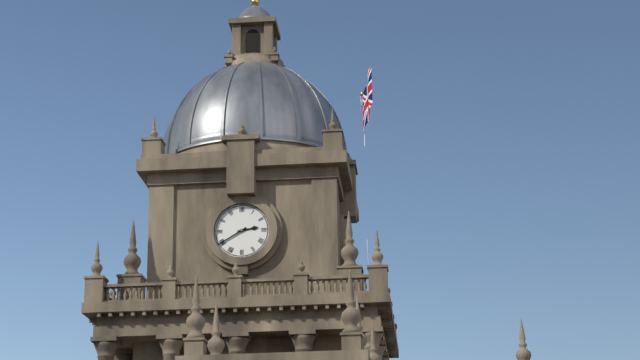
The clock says 2h40
